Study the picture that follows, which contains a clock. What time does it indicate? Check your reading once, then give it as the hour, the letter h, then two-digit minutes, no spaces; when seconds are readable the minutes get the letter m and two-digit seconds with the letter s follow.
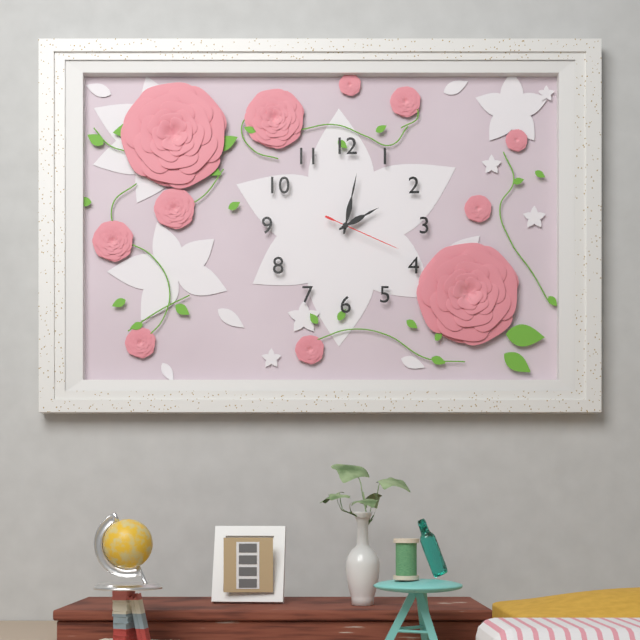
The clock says 2h02m19s
